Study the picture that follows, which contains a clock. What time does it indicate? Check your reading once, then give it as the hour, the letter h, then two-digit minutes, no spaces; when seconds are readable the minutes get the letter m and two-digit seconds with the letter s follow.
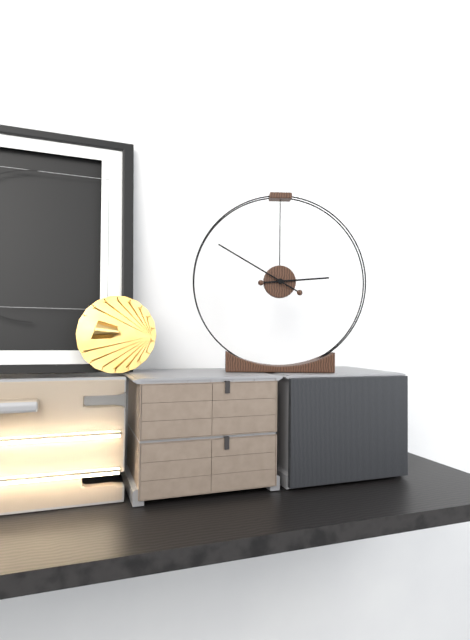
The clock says 2h50
